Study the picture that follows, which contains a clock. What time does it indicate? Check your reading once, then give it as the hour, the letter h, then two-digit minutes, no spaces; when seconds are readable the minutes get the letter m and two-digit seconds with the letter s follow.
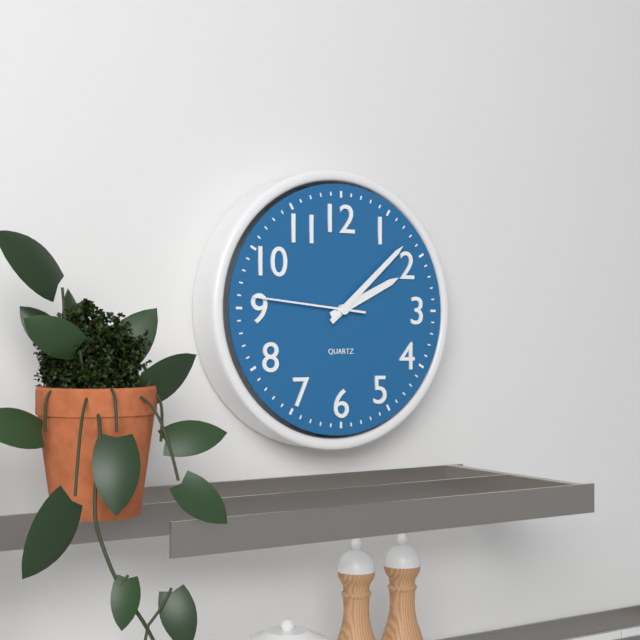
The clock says 2h08m46s
